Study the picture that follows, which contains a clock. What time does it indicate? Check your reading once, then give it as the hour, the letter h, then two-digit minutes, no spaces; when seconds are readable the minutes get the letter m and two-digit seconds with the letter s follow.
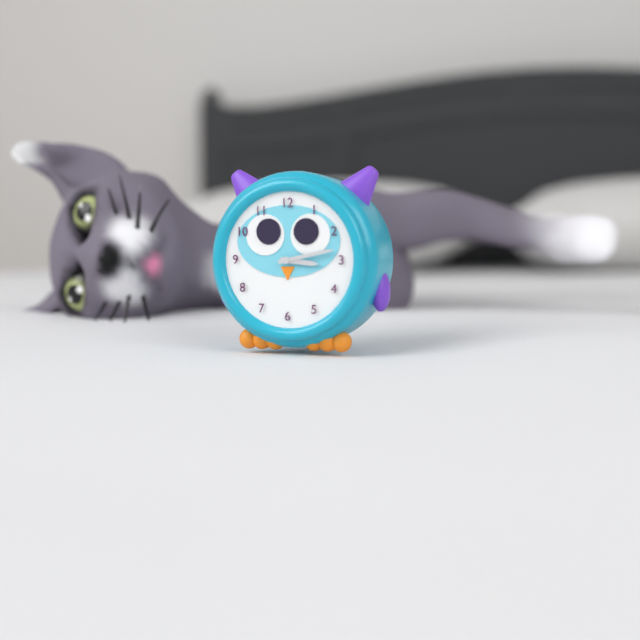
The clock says 3h13
